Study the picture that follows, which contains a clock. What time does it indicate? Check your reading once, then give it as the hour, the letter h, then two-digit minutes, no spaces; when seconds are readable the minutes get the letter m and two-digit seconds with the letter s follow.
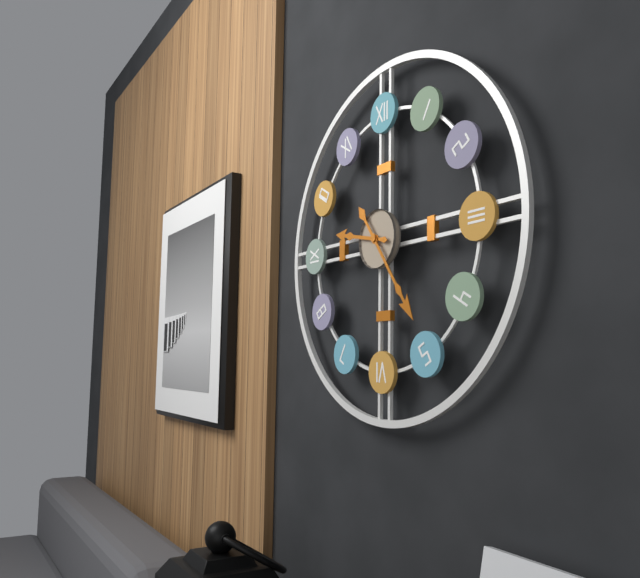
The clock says 9h24
